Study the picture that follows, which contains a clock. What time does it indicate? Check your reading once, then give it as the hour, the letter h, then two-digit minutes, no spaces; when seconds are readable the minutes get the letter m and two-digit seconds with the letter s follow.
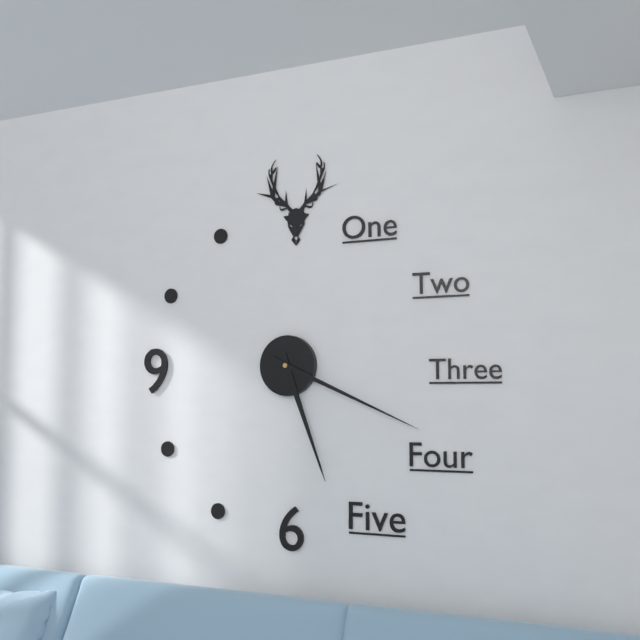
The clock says 5h19
